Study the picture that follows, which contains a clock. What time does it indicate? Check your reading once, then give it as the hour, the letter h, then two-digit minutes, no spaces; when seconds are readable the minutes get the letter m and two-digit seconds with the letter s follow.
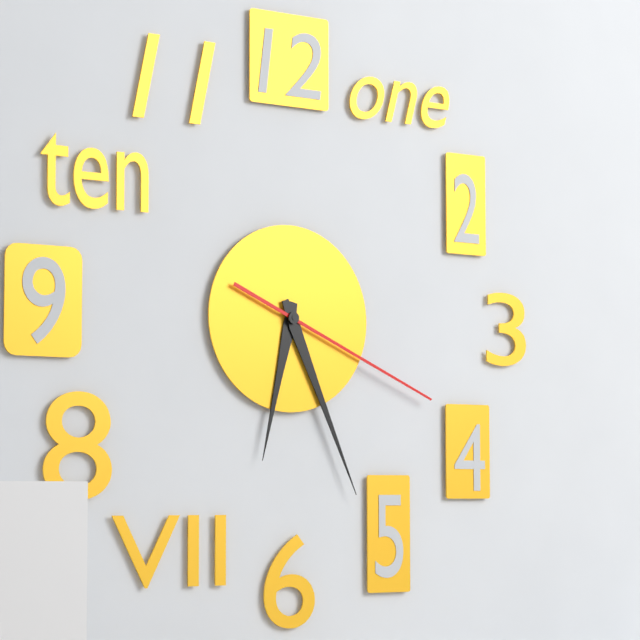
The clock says 6h26m19s
